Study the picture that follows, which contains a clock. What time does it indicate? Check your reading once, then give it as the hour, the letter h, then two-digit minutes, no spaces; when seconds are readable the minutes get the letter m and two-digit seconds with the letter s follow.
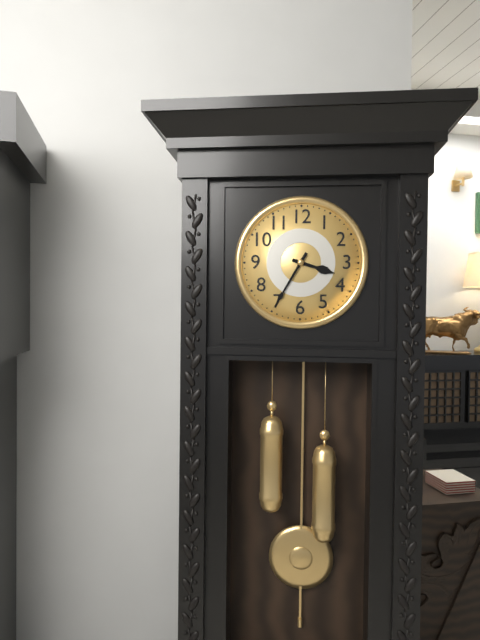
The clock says 3h35
